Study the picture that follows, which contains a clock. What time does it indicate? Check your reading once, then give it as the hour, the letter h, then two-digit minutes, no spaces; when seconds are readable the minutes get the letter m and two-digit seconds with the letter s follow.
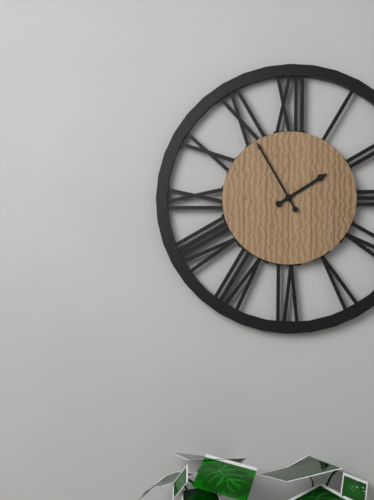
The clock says 1h55
